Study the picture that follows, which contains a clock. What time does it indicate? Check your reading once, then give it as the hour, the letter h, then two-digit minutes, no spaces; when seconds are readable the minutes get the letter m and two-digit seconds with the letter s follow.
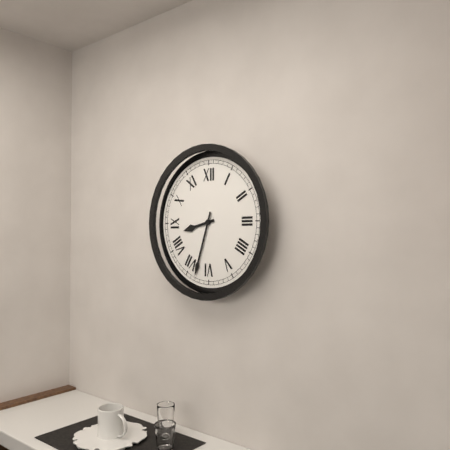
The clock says 8h33
